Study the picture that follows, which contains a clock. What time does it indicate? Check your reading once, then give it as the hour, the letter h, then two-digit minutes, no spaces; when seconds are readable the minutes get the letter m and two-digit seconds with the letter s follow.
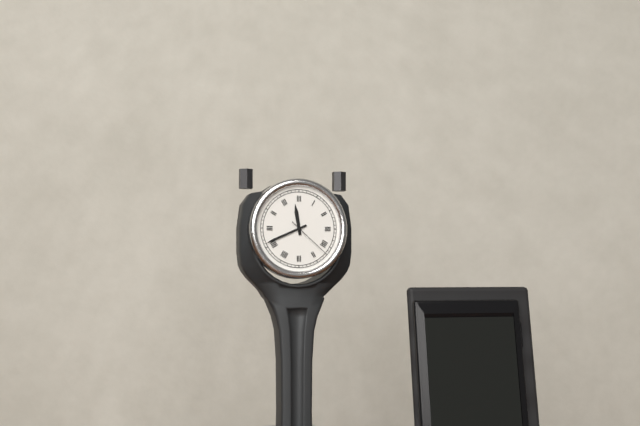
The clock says 11h41
